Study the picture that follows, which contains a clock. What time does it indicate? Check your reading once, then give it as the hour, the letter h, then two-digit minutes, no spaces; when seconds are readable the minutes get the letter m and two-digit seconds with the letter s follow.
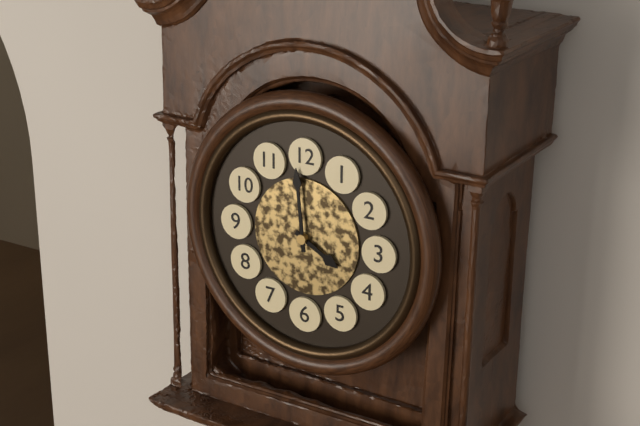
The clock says 3h59
